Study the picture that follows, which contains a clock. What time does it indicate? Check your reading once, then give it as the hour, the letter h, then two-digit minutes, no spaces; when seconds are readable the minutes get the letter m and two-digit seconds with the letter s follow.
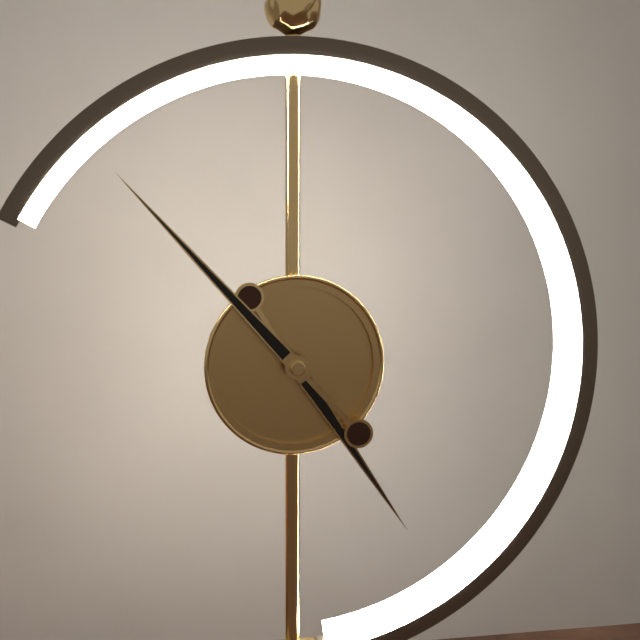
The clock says 4h53
